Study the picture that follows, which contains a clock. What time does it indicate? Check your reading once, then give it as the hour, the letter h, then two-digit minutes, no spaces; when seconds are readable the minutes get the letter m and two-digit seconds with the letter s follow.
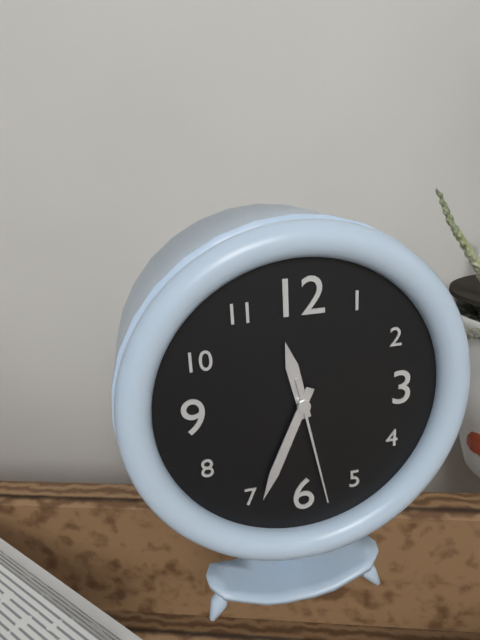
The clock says 11h34m28s
